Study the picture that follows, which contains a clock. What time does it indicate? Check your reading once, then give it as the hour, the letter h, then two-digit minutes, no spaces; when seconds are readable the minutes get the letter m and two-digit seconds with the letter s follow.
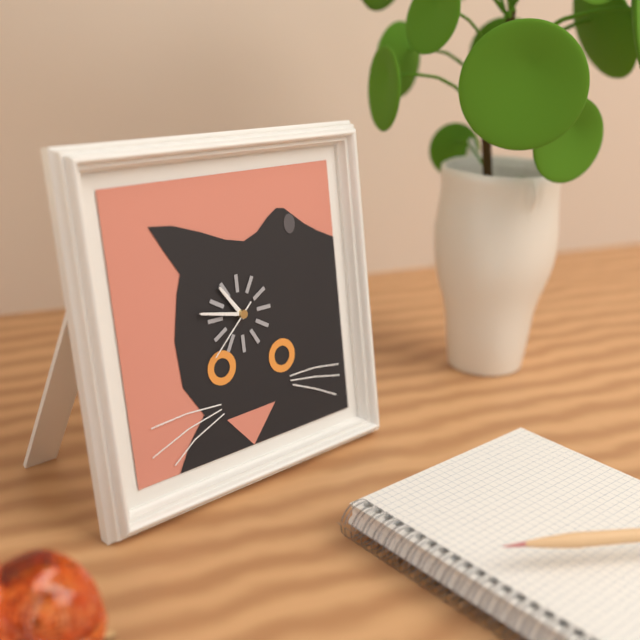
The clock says 10h47m38s
